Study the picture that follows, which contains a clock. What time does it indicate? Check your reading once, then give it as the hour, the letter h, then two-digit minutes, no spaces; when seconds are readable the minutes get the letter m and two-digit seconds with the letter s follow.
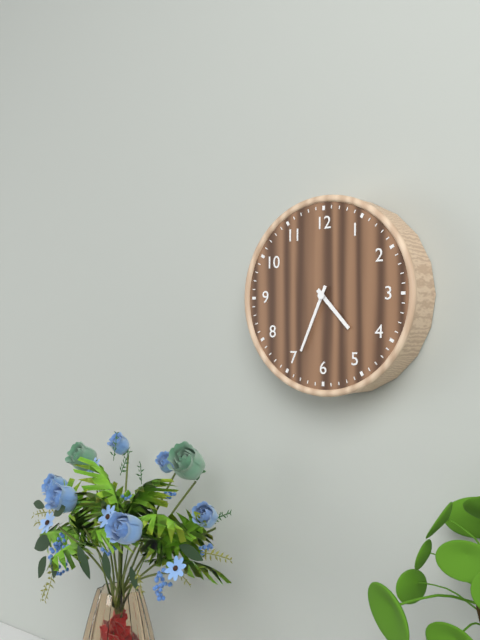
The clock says 4h34
